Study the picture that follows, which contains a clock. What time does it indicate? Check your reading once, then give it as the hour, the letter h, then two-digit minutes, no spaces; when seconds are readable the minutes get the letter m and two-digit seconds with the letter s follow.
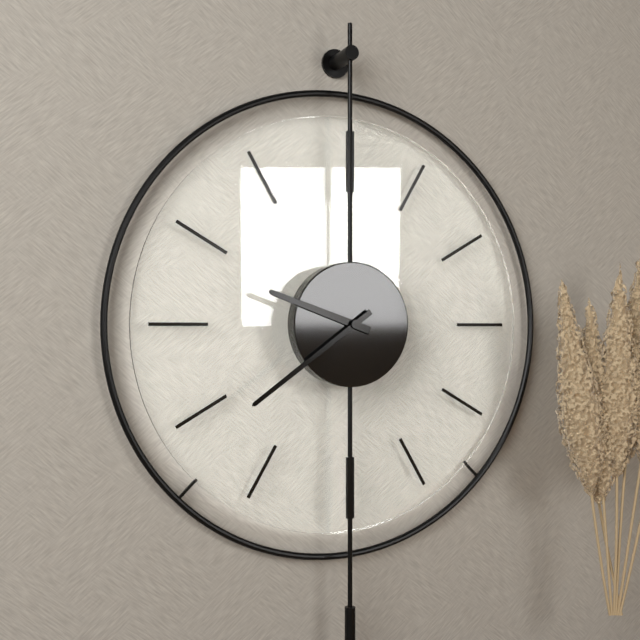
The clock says 9h39
